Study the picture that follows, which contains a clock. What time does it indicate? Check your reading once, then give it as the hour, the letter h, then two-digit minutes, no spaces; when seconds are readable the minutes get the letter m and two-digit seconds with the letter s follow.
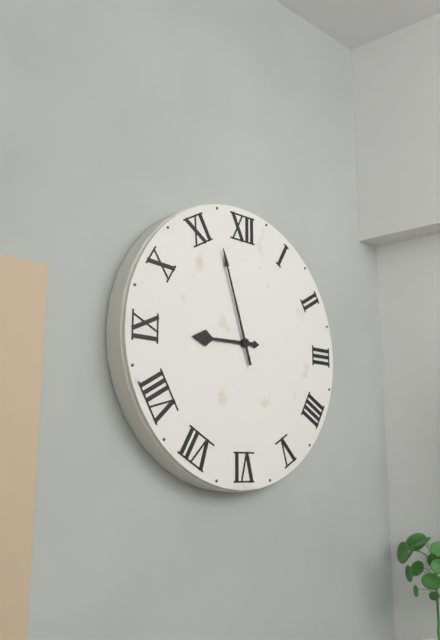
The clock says 8h57
